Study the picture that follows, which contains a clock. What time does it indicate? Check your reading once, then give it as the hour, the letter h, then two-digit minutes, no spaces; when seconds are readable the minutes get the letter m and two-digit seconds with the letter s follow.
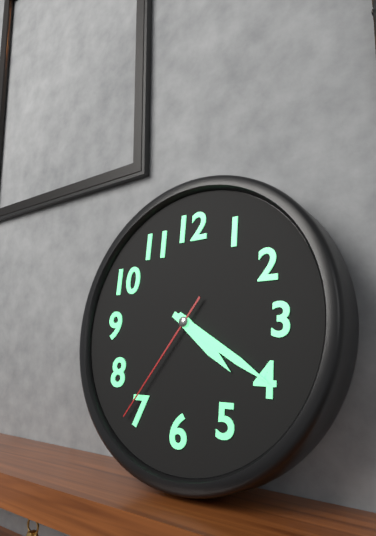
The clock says 4h20m36s
